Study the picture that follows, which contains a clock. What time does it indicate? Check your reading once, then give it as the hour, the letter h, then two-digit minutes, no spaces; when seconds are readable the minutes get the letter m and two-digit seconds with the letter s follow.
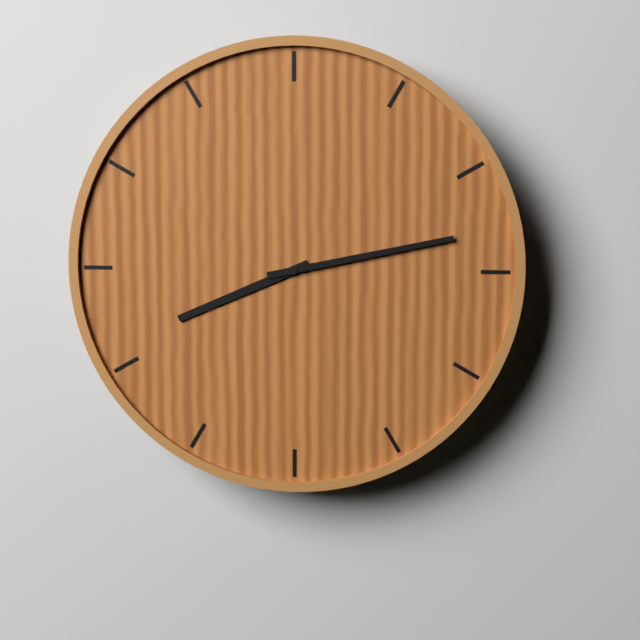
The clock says 8h13
